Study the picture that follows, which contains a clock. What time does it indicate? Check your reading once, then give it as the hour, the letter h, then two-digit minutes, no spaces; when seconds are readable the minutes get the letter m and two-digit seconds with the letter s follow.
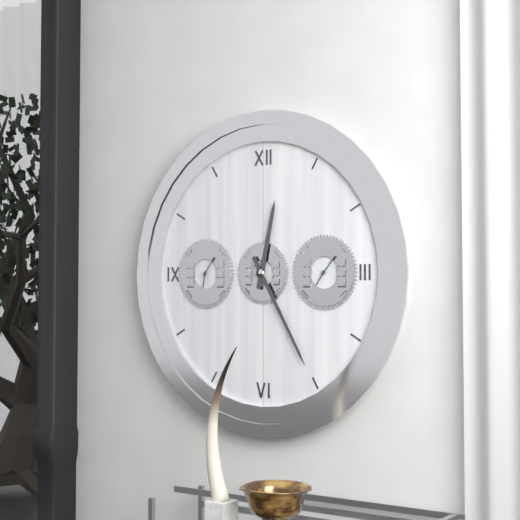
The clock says 12h25
